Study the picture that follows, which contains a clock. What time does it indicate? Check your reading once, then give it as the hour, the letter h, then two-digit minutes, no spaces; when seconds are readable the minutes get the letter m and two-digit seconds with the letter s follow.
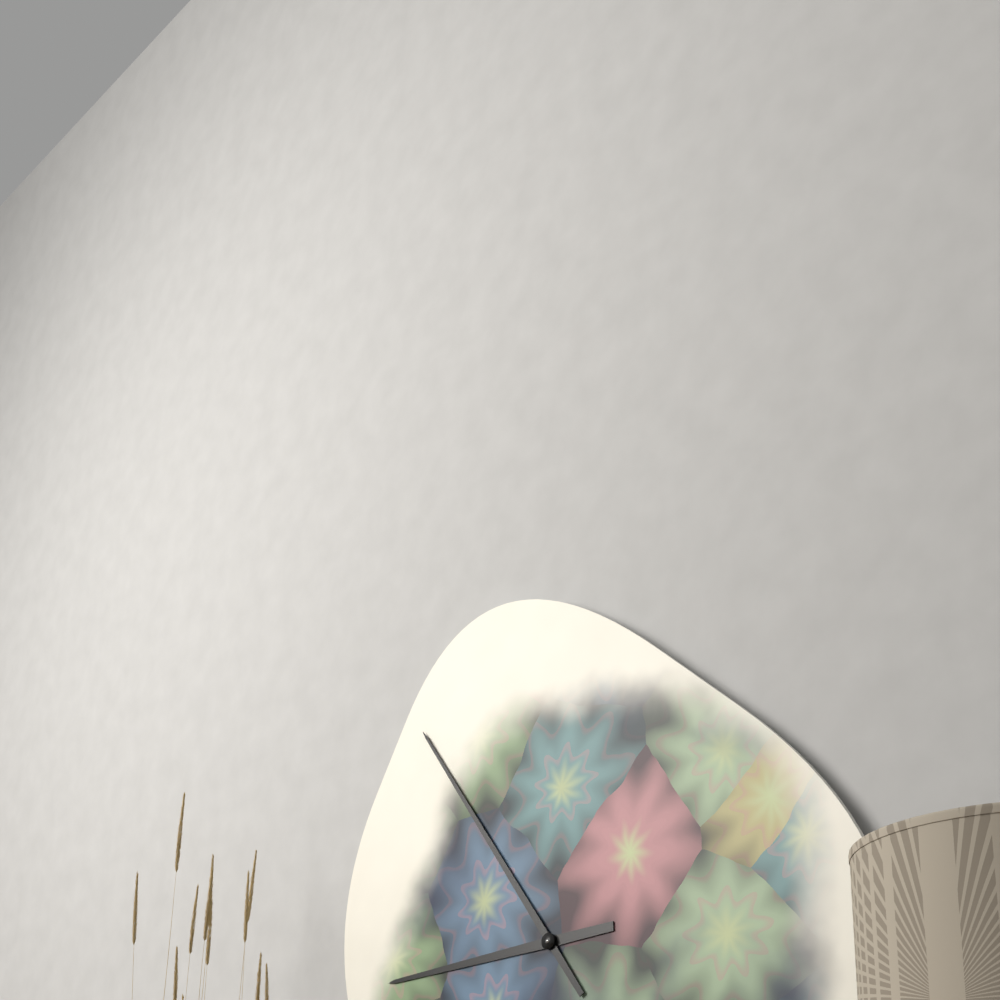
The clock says 8h54
